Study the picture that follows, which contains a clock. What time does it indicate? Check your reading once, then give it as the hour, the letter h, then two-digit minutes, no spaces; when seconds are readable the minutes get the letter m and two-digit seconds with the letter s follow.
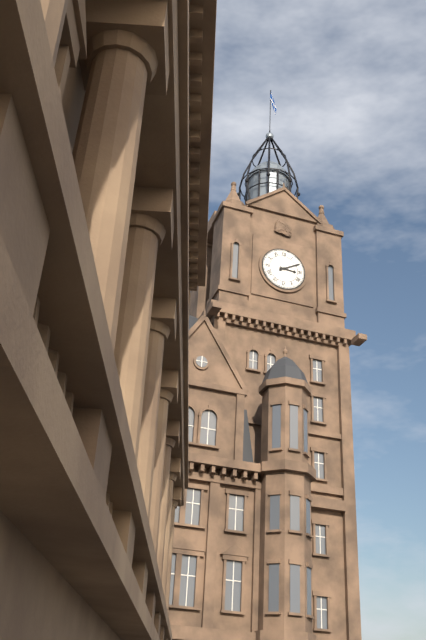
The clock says 3h10
